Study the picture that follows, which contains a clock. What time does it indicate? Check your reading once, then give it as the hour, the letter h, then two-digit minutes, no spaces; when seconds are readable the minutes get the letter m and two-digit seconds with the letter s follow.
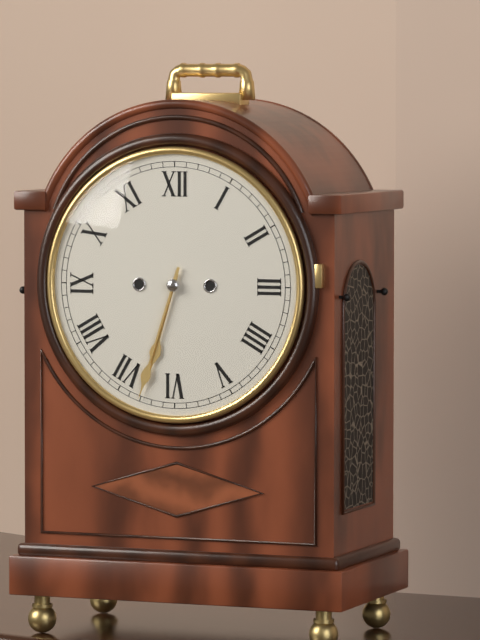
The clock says 6h33
